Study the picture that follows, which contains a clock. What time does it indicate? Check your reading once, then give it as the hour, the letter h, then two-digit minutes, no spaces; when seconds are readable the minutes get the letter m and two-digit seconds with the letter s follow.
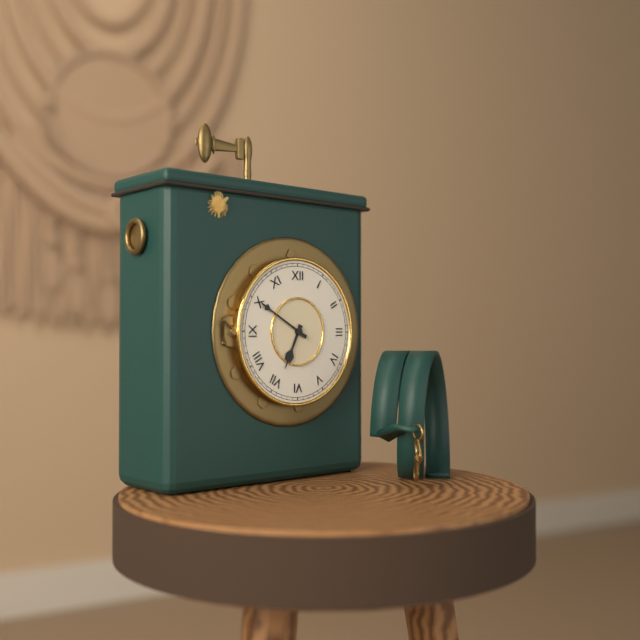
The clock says 6h50
